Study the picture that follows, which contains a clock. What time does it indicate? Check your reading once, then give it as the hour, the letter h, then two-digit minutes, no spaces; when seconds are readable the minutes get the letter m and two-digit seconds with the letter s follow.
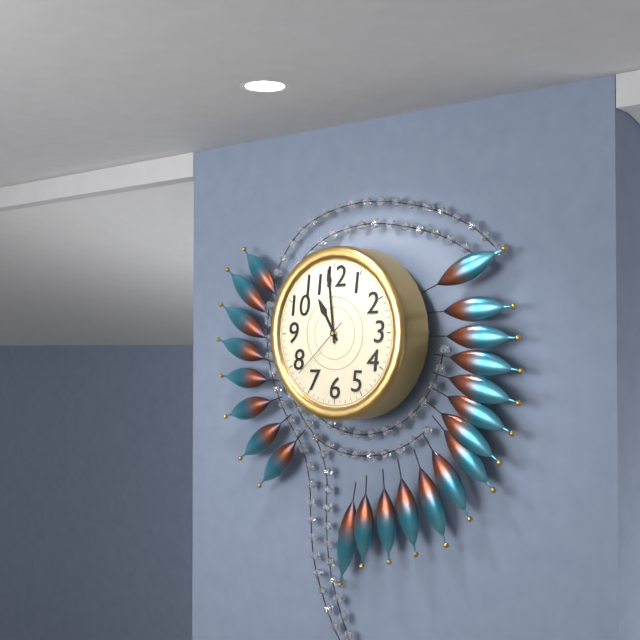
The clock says 10h59m38s
